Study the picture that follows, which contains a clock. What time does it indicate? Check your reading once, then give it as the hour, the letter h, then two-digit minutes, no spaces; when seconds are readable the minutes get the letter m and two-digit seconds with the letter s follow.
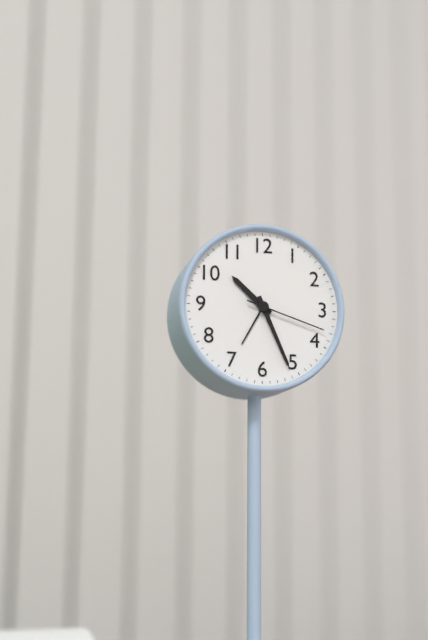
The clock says 10h26m18s
